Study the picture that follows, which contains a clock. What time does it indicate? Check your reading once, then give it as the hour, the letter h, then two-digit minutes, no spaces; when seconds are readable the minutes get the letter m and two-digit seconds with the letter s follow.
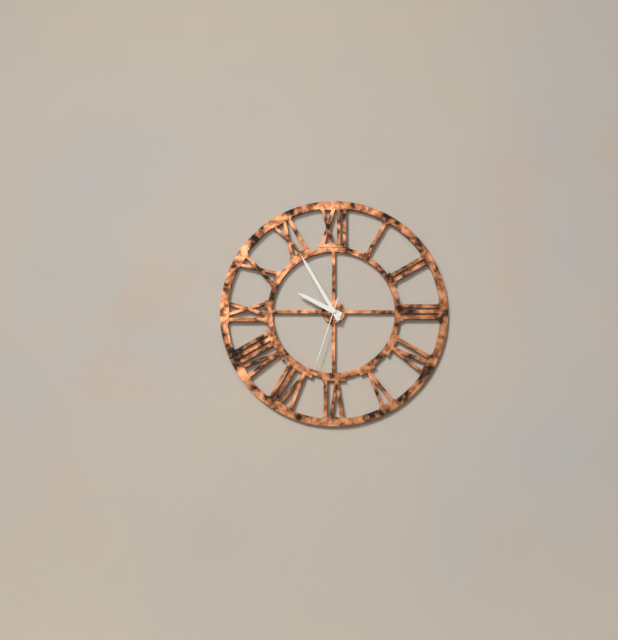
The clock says 9h55m33s
